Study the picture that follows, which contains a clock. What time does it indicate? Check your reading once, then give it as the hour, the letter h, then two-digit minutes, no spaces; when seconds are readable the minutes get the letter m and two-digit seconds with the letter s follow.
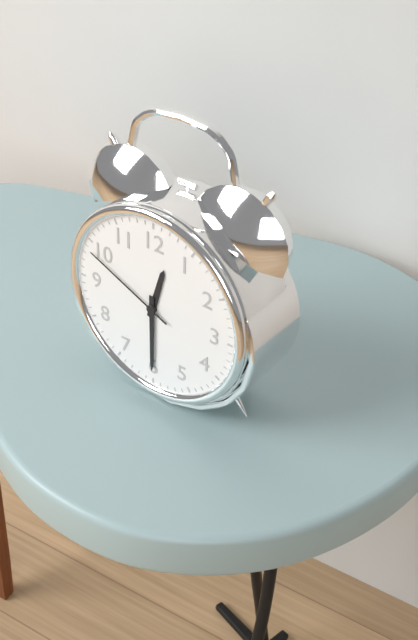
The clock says 12h30m49s
